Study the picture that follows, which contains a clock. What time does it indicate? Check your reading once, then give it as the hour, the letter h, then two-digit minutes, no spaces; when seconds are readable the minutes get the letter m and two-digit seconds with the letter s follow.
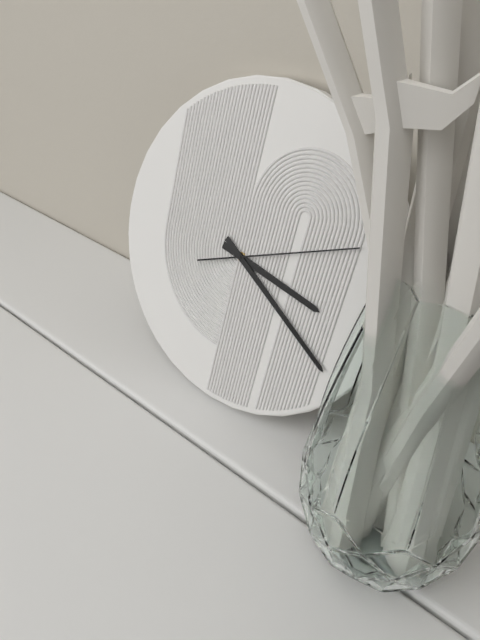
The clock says 3h20m11s
